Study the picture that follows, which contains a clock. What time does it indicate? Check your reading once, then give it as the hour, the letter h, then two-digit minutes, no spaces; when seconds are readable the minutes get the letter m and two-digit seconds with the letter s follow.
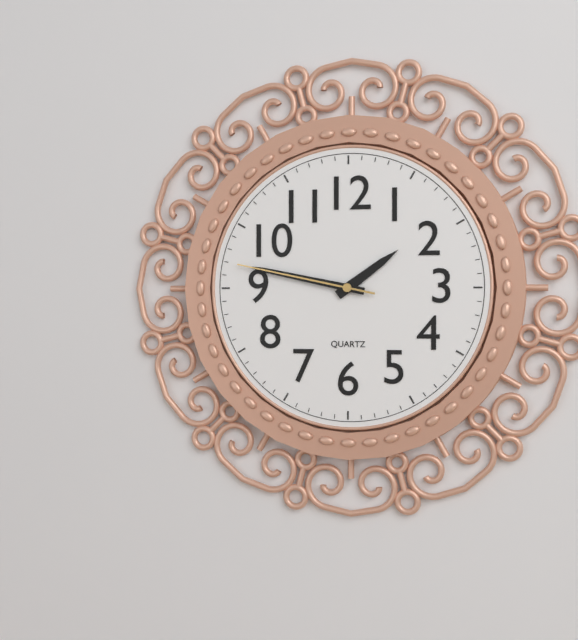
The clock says 1h47m47s
